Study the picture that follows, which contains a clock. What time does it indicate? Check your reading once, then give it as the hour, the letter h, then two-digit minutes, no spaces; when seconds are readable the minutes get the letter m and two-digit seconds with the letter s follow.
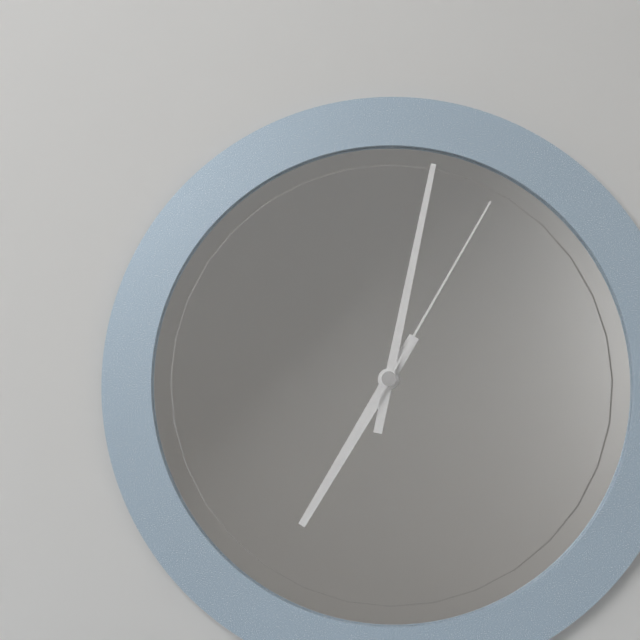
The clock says 7h02m05s
